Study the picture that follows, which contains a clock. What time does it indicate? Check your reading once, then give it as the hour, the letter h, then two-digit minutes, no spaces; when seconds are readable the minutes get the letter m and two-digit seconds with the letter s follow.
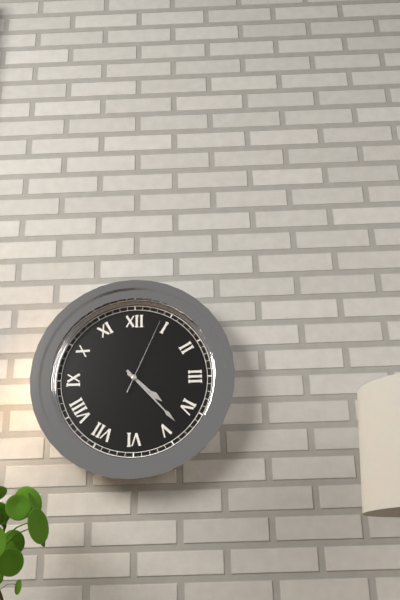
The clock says 4h23m04s
